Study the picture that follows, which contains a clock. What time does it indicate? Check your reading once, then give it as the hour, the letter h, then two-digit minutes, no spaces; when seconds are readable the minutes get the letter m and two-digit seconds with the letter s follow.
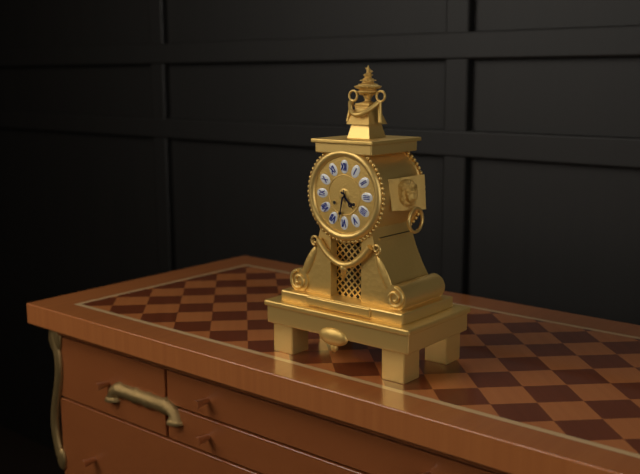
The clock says 4h32
